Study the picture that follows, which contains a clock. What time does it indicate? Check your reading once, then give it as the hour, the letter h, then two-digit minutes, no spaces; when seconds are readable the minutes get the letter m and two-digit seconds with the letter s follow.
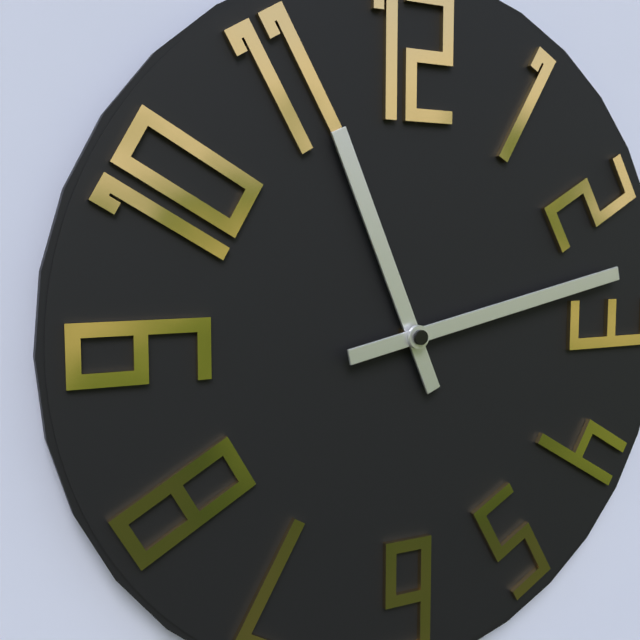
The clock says 11h13
